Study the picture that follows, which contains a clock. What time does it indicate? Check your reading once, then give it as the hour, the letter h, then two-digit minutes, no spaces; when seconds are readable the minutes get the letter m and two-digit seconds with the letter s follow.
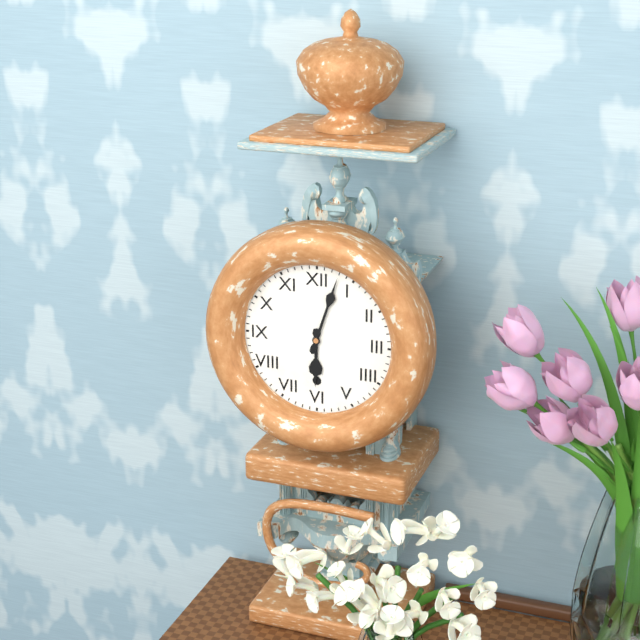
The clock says 6h03
